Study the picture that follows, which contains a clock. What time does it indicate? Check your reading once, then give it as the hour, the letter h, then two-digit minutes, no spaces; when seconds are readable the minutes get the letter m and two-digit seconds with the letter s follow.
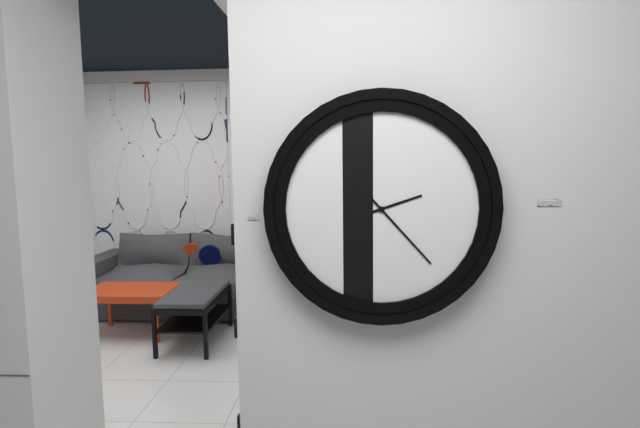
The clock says 2h23
